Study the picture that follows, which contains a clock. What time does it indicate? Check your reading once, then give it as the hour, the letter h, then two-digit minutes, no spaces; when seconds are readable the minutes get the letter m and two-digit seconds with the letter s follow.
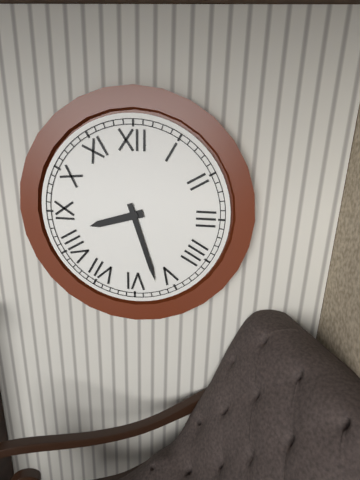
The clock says 8h27
